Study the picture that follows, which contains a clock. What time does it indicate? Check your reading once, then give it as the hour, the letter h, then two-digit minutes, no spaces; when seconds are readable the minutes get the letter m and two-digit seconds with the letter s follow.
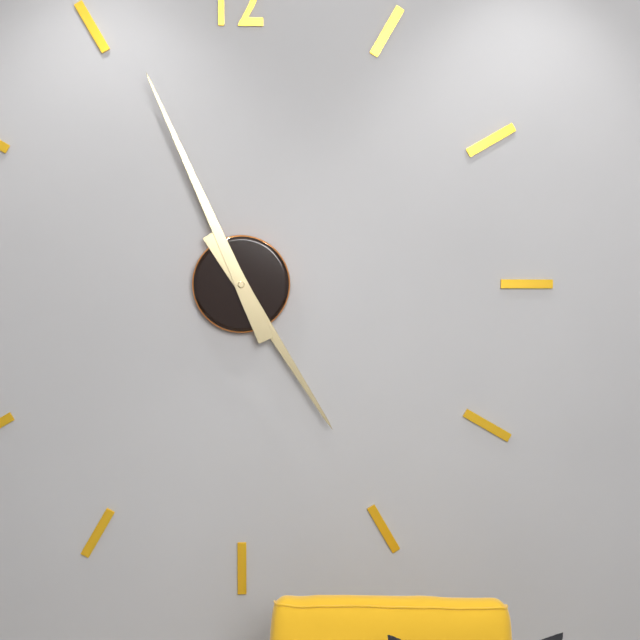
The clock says 4h56
